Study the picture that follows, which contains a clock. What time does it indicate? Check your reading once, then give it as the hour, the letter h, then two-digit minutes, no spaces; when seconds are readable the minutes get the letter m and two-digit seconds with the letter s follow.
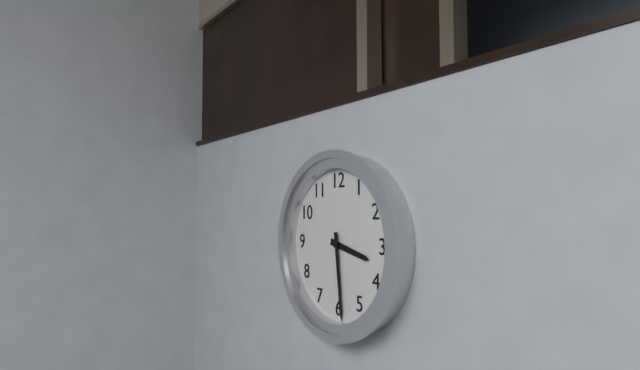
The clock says 3h29
